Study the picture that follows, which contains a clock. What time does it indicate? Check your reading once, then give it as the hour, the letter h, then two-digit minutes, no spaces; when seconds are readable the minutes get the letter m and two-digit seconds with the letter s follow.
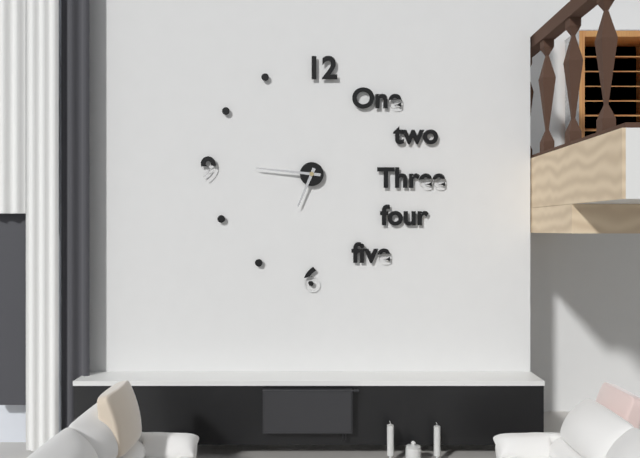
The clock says 6h46
